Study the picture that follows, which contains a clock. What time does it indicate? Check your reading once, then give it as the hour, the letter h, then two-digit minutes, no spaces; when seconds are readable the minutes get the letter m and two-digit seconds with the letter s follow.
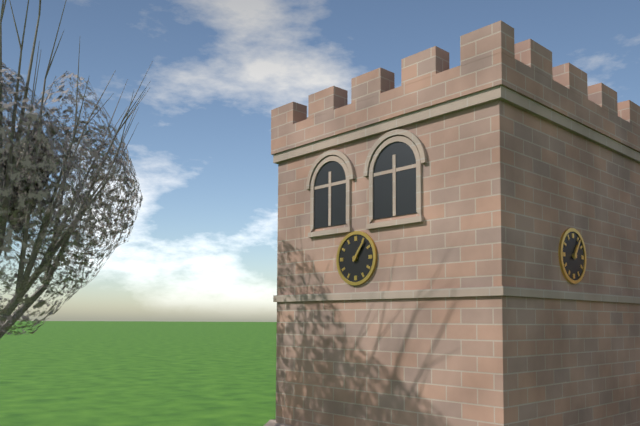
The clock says 1h06
